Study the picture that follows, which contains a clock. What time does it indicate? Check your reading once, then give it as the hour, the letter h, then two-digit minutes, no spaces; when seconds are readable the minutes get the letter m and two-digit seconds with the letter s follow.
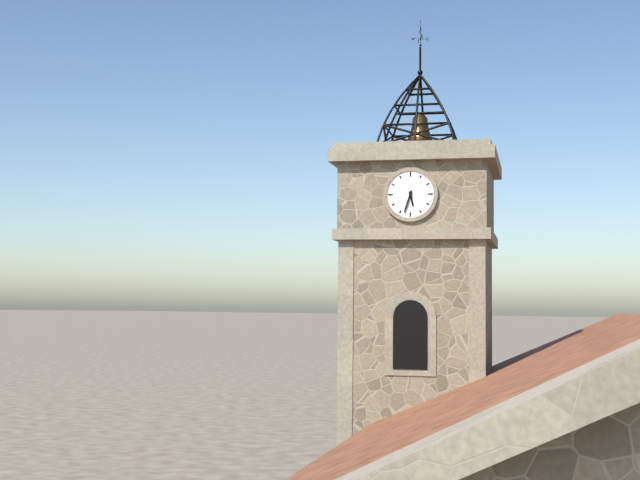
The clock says 5h33
